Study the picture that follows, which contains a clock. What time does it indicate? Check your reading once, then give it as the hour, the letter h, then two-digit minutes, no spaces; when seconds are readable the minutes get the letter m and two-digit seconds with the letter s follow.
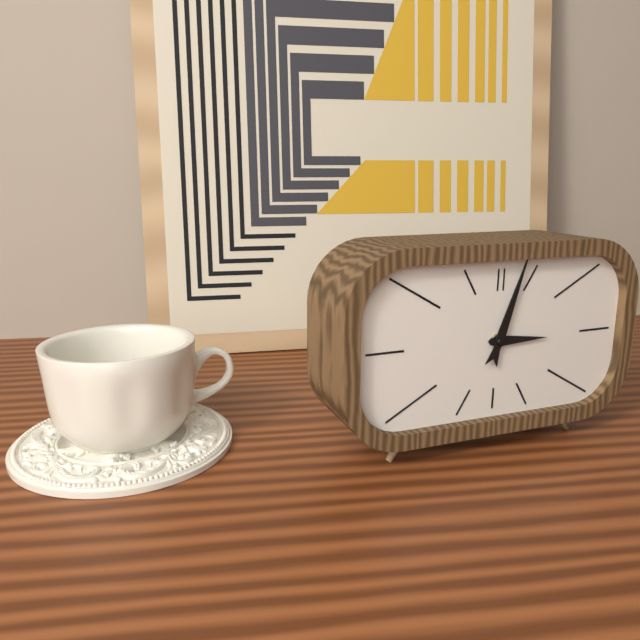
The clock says 3h03
